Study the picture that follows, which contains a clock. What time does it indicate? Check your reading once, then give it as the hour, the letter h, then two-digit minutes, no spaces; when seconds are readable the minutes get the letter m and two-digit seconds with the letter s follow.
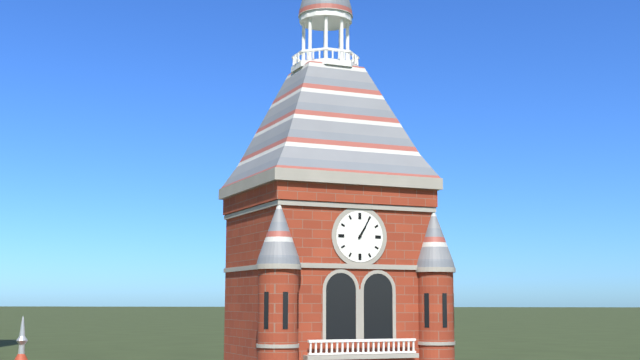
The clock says 1h05
